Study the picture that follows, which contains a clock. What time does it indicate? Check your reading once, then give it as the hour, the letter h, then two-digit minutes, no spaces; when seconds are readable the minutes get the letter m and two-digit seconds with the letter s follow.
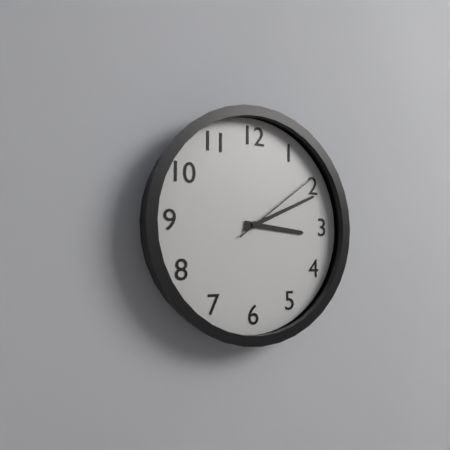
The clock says 3h11m09s
